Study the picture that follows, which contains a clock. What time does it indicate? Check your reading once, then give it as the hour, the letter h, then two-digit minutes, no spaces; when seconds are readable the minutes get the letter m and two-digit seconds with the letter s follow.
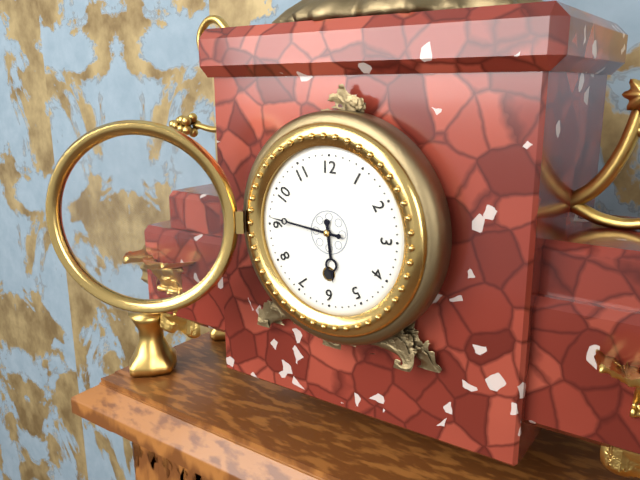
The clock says 5h46
